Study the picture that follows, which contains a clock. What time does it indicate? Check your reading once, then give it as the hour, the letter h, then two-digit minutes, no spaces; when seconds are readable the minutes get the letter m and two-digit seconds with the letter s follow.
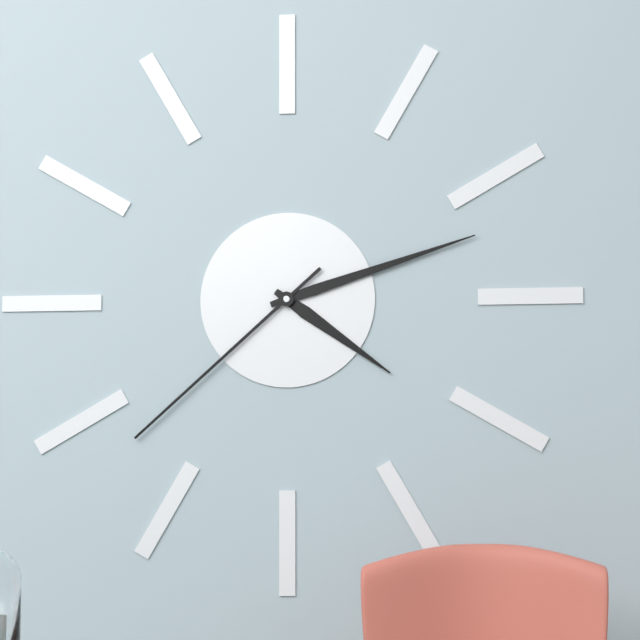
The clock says 4h12m38s
